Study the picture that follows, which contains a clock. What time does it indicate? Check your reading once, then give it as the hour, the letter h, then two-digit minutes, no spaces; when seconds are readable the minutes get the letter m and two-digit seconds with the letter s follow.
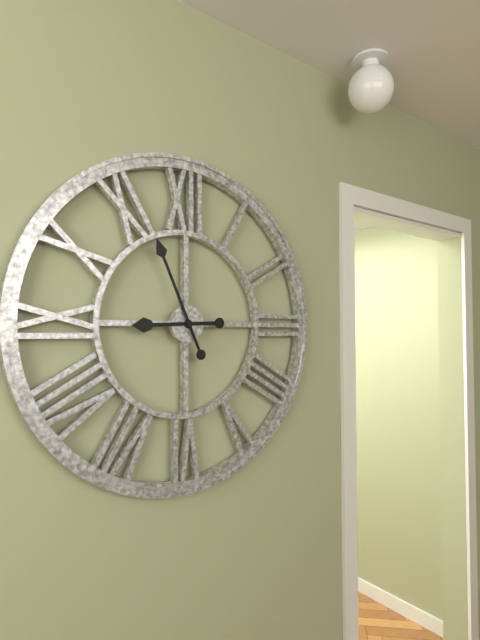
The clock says 8h56
